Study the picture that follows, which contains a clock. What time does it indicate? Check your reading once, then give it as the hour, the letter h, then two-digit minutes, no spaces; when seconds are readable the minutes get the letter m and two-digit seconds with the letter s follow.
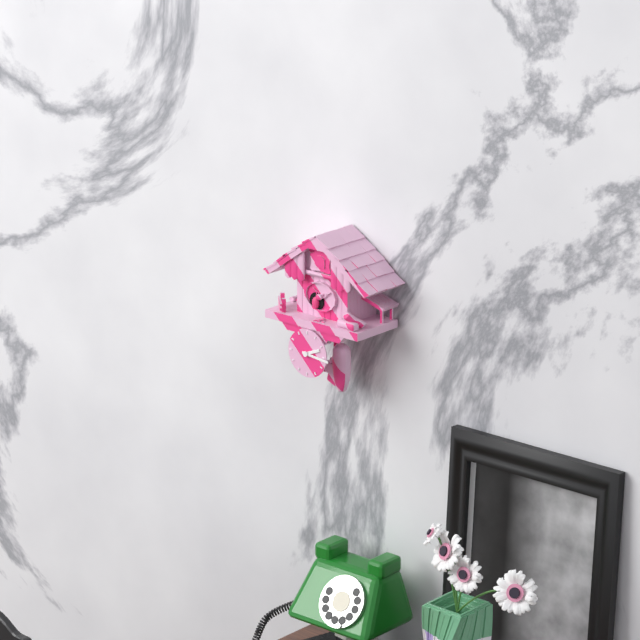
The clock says 2h16
